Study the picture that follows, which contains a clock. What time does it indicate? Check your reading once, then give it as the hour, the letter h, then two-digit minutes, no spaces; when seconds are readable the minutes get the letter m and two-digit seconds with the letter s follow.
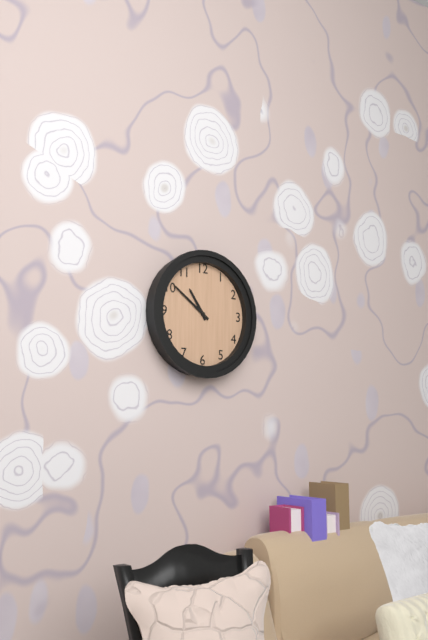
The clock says 10h51
